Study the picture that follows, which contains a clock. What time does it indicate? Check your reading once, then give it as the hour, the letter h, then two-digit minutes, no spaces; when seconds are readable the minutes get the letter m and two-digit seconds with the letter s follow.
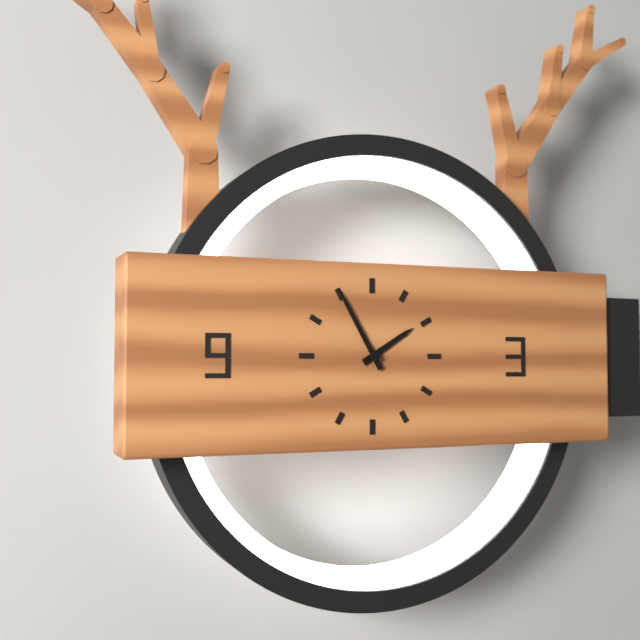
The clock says 1h55
